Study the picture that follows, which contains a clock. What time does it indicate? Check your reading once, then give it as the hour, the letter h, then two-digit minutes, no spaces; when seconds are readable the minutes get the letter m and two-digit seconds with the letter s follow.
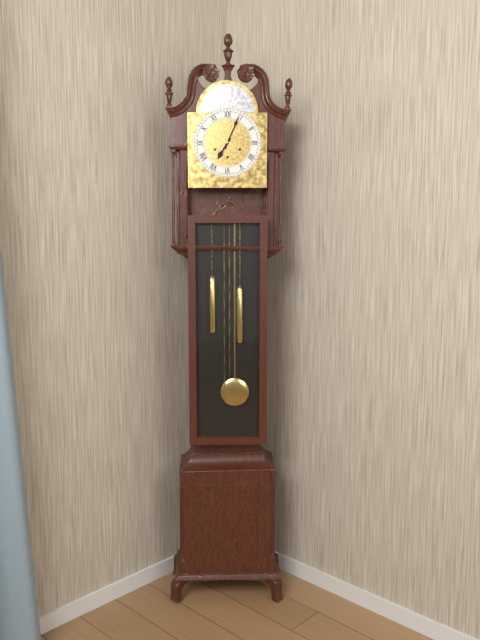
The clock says 7h04
